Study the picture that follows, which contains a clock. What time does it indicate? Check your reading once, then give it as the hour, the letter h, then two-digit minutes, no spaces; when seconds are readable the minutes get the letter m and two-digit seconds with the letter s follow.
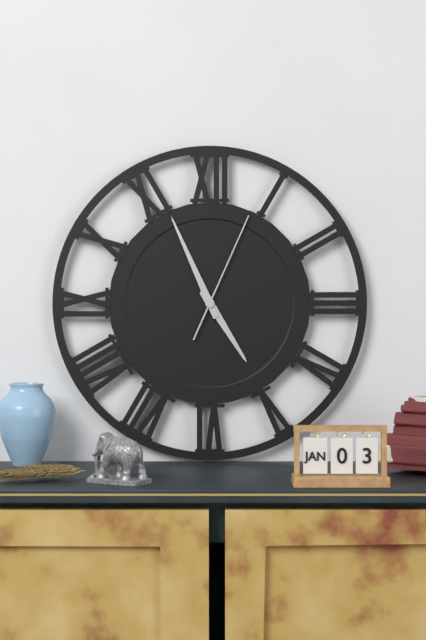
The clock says 4h56m04s
